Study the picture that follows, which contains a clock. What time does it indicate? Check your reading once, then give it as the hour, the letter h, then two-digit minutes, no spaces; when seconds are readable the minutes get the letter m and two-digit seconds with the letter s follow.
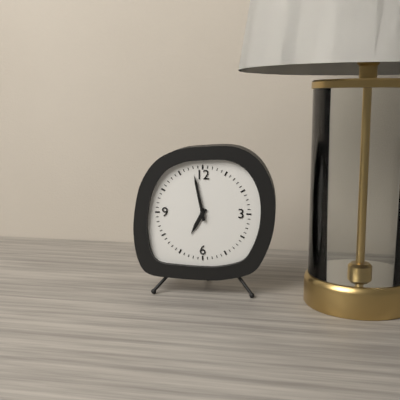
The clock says 6h58
